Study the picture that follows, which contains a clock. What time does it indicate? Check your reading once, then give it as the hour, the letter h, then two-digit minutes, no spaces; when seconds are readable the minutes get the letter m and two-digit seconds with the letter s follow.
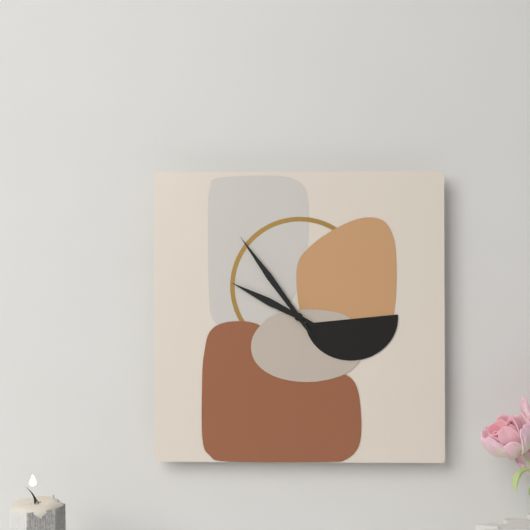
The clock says 9h54
